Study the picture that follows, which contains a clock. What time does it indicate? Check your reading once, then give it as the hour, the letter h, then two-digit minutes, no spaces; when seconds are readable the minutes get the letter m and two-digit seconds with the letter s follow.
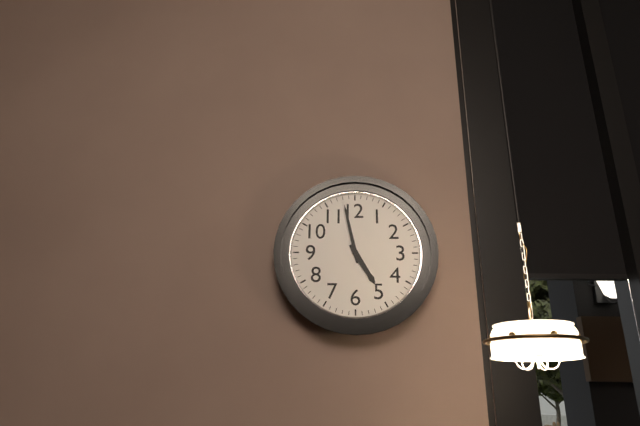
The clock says 4h58
